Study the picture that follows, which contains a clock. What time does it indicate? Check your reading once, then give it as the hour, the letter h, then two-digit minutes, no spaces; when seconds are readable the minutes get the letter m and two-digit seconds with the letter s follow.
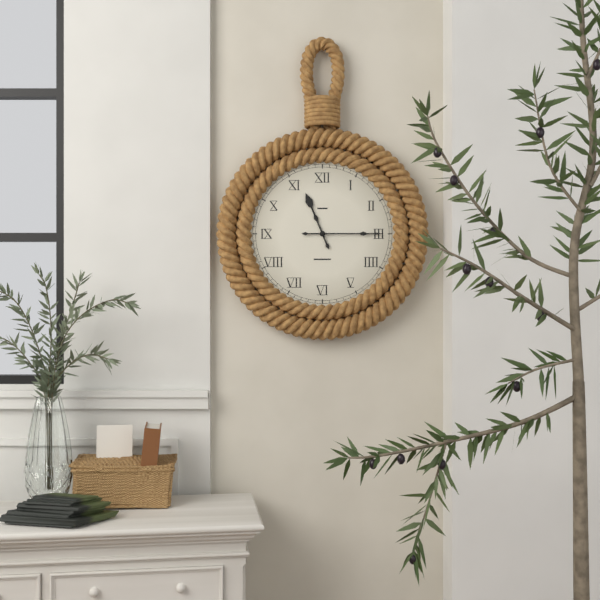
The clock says 11h15
